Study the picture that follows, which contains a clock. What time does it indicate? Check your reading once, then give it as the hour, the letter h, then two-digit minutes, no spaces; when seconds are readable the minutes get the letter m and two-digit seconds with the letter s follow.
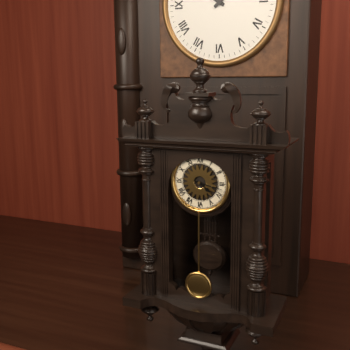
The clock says 4h17
